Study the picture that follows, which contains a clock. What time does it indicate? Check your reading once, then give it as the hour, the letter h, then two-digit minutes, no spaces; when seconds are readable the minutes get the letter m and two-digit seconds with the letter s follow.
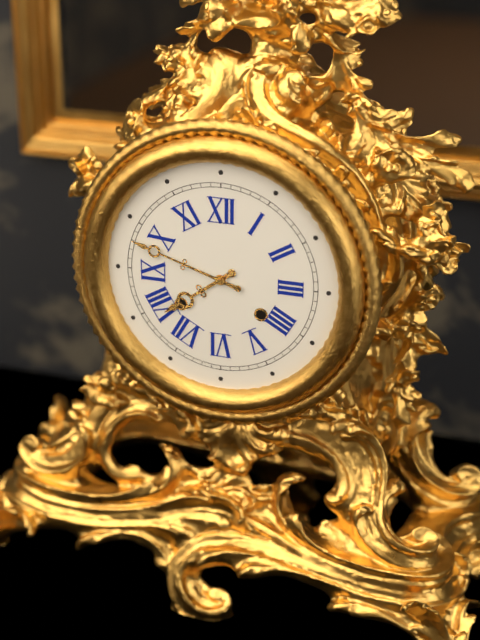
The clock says 7h48
